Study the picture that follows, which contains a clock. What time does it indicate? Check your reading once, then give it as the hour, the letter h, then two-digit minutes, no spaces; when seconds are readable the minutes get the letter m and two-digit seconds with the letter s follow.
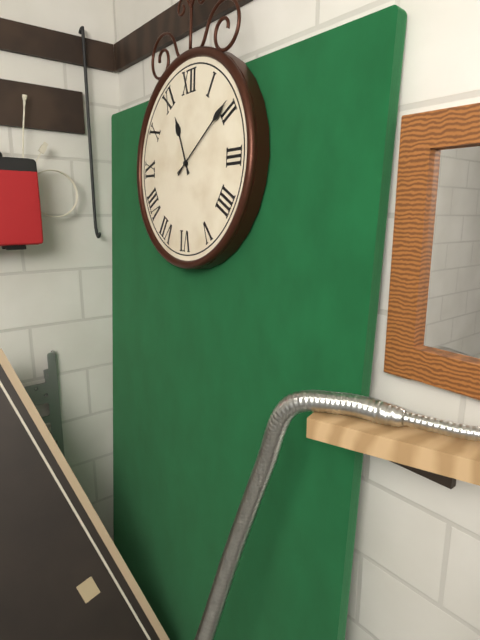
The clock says 11h09
